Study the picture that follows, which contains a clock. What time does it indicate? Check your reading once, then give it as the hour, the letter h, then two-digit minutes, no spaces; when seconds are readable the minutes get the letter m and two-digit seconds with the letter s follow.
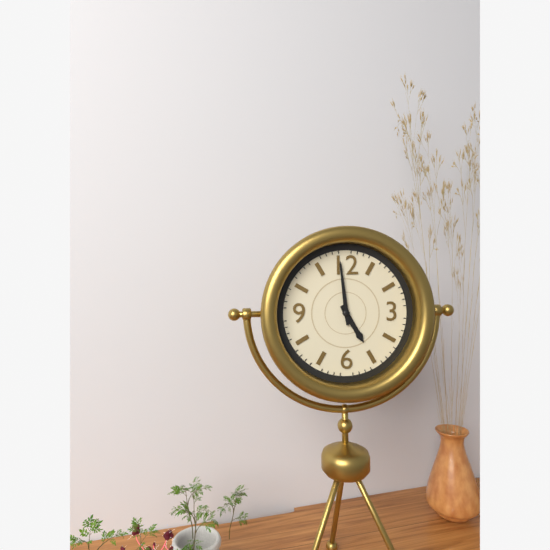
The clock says 4h59
